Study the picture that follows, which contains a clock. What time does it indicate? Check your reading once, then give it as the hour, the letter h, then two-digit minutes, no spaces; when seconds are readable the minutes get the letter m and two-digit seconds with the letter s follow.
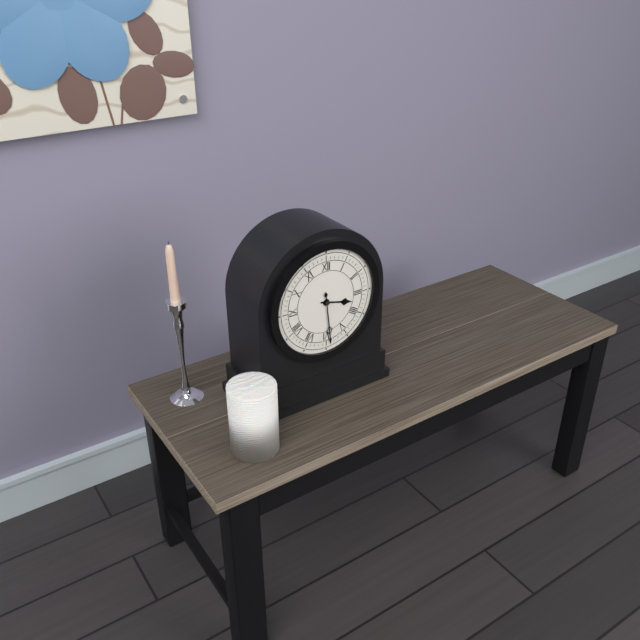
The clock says 3h29
